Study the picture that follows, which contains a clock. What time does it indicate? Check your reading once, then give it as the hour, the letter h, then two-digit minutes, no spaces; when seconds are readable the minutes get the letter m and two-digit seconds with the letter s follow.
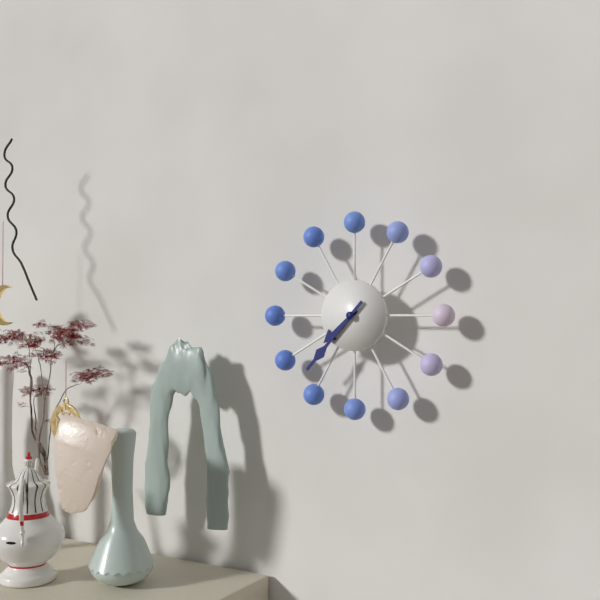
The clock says 7h37
